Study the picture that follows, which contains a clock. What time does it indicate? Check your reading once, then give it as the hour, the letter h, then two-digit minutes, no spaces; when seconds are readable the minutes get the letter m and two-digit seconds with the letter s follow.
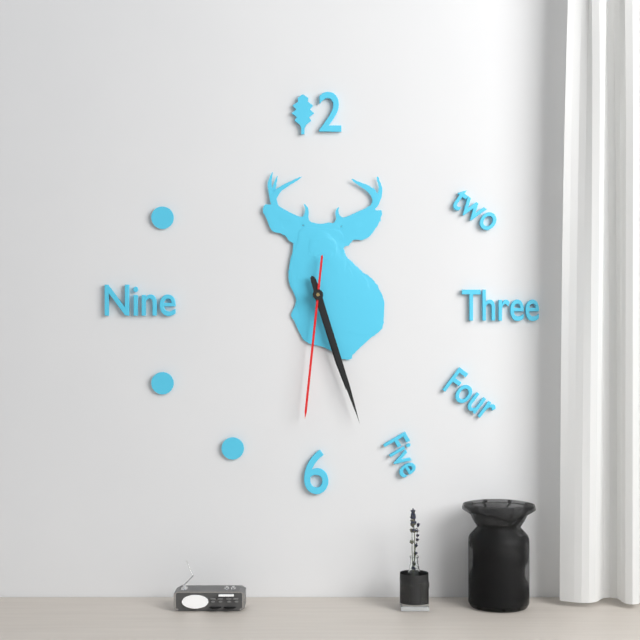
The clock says 5h27m31s
